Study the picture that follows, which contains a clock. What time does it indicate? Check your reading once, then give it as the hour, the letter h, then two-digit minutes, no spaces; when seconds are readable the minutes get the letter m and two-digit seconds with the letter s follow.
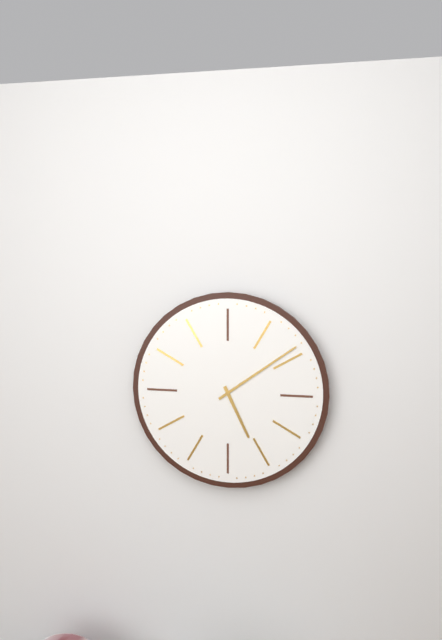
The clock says 5h09
